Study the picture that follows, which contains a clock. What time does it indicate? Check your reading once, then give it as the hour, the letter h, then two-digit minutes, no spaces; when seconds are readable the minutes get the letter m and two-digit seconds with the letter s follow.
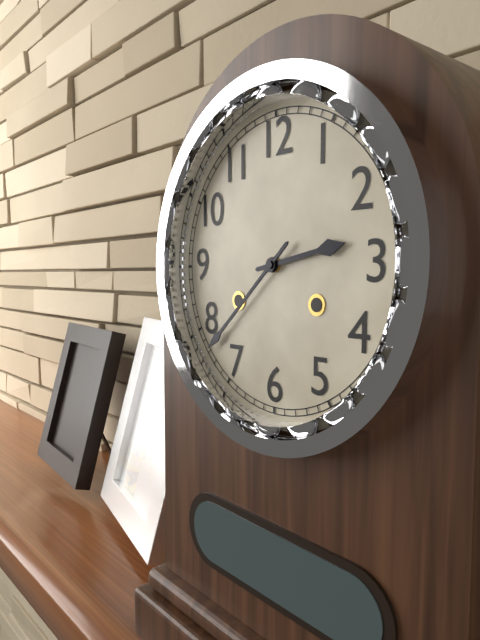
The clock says 2h38
